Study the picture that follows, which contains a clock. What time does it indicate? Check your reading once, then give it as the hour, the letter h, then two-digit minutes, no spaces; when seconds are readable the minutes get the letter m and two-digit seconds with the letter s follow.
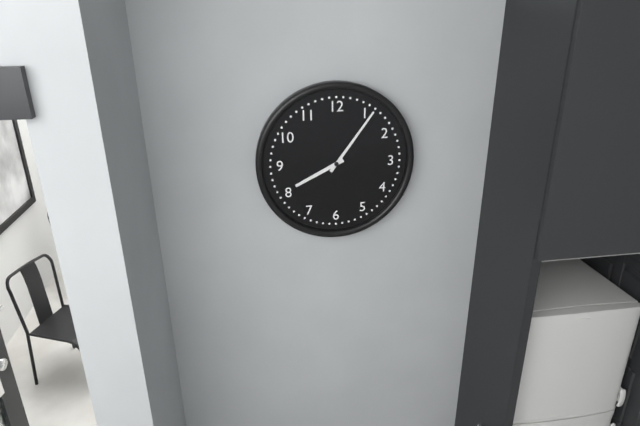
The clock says 8h06
